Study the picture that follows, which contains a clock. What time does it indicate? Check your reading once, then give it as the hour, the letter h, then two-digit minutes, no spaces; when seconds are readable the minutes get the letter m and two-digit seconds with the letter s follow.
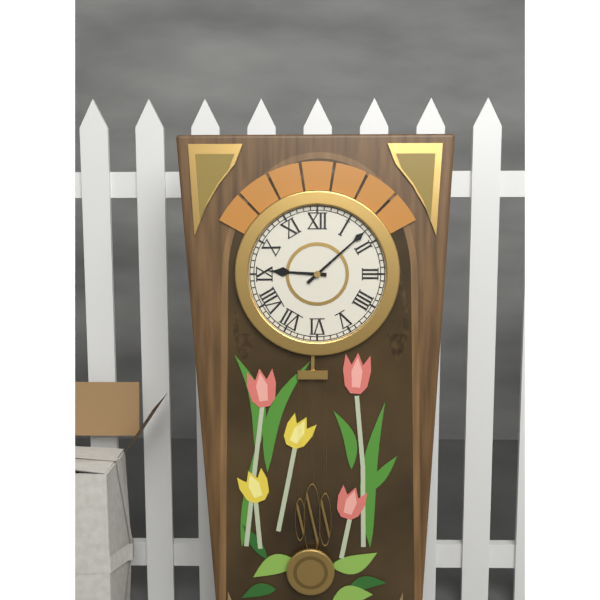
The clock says 9h08
